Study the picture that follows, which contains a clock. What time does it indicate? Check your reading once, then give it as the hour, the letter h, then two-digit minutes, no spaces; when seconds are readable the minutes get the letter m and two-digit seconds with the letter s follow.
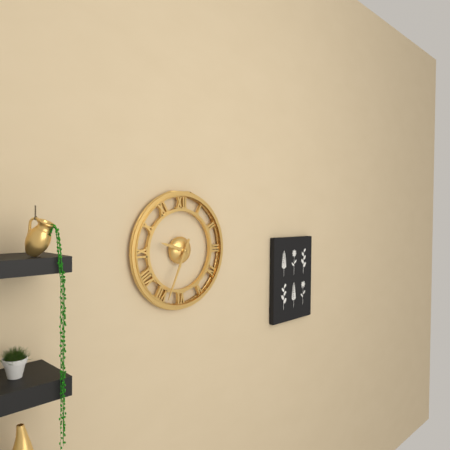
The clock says 9h34
